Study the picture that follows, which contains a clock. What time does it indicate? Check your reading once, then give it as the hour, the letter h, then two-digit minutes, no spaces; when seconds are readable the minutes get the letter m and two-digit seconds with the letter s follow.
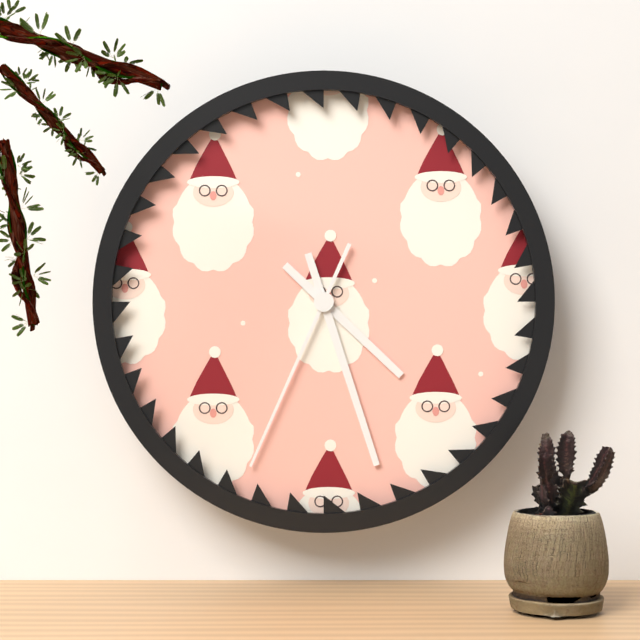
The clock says 4h27m34s
